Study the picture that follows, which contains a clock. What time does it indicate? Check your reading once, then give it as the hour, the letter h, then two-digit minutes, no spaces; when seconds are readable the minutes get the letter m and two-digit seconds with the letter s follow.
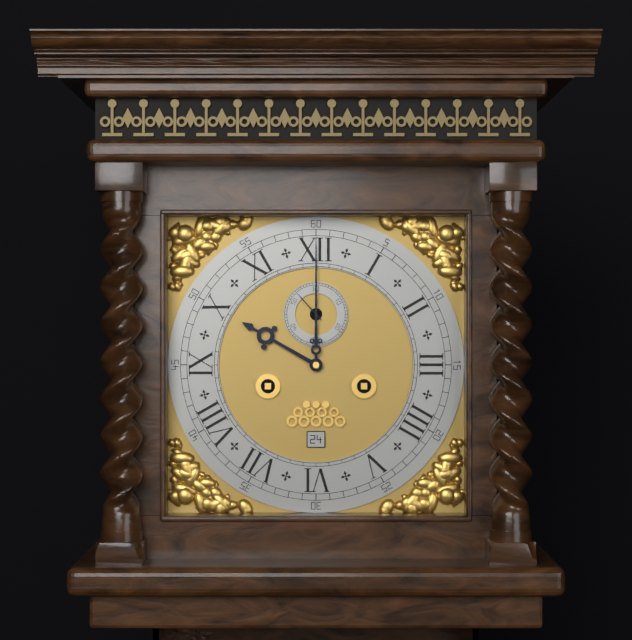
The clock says 10h00
